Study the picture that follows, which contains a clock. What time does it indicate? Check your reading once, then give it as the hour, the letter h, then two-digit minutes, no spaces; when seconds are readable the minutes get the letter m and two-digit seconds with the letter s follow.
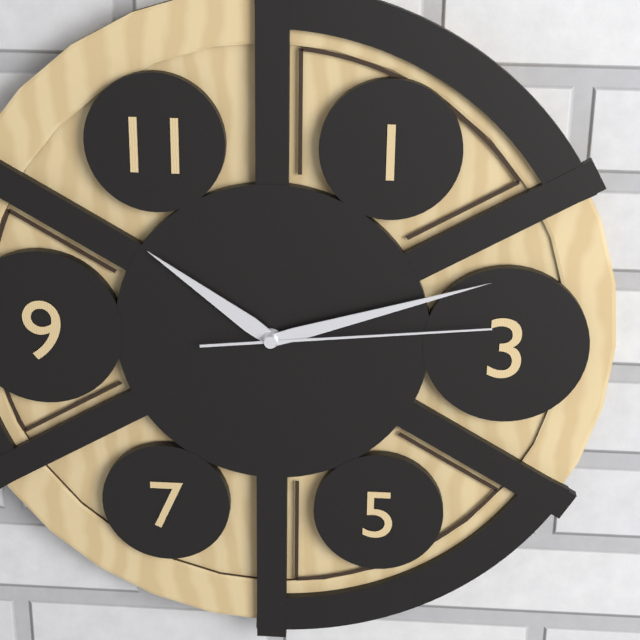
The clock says 10h12m14s
